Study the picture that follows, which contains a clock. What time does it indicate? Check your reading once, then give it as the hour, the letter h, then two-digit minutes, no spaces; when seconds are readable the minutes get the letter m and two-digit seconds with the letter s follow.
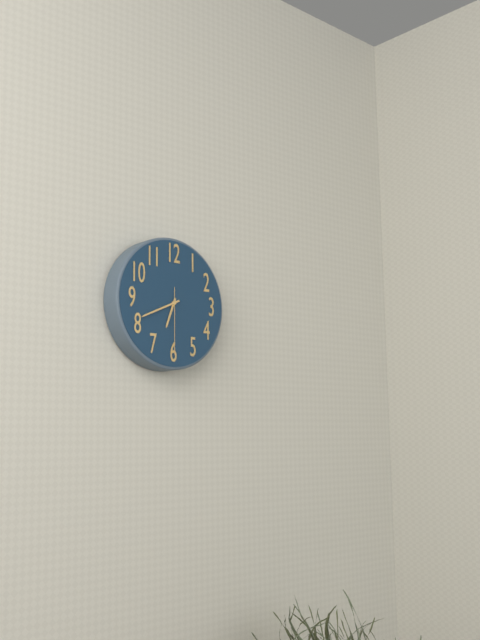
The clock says 6h41m30s
